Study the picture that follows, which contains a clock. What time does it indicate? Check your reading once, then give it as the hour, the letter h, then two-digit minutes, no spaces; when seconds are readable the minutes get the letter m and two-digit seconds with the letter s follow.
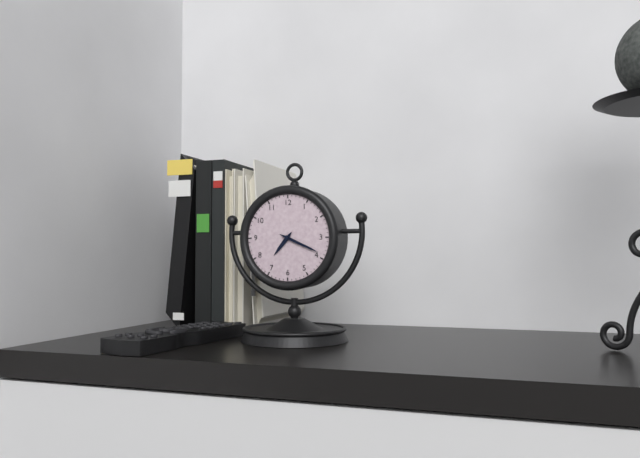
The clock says 7h19
